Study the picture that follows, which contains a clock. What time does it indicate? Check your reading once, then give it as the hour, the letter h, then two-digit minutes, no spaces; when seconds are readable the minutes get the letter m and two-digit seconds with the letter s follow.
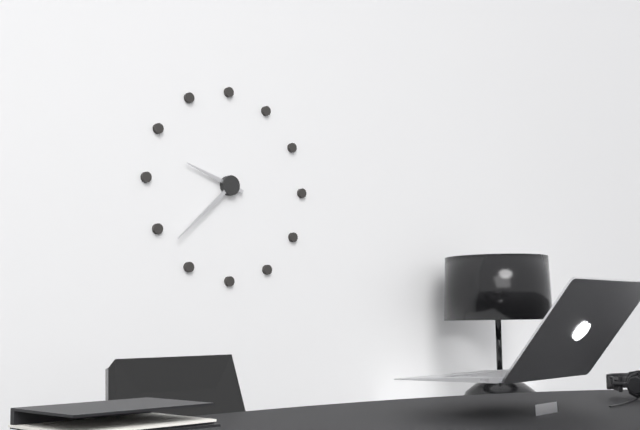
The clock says 9h38
